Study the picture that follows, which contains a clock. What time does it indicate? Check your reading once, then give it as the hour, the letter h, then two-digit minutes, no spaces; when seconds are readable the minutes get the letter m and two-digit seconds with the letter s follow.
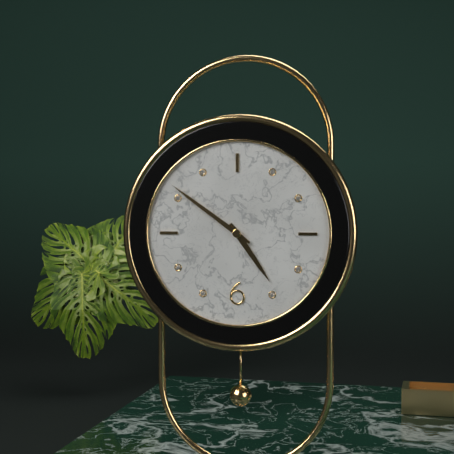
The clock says 4h51
